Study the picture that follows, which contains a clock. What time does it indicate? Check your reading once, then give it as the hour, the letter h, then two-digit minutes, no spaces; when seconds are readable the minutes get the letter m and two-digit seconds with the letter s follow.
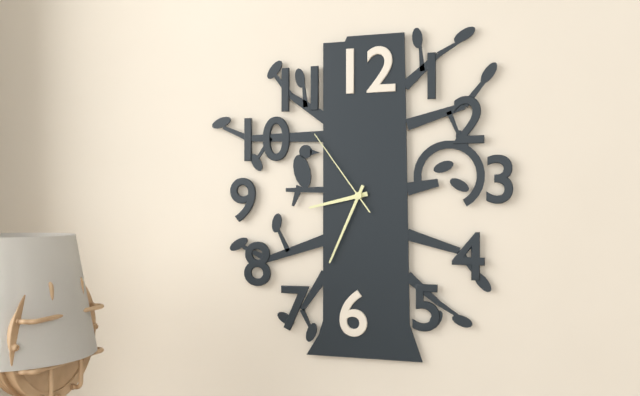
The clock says 8h34m54s
